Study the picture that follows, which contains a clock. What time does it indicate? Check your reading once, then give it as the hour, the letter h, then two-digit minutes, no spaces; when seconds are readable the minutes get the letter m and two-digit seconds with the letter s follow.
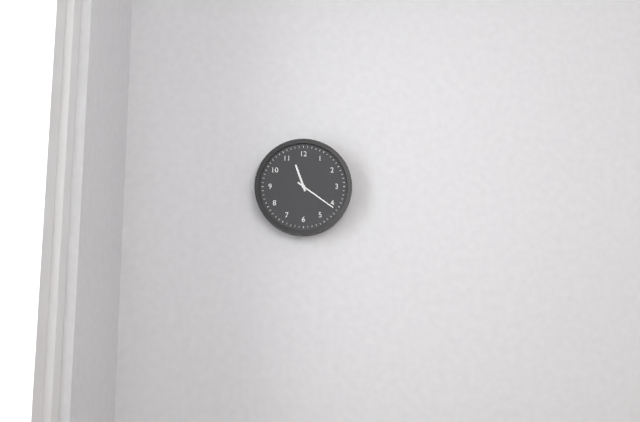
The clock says 11h21
